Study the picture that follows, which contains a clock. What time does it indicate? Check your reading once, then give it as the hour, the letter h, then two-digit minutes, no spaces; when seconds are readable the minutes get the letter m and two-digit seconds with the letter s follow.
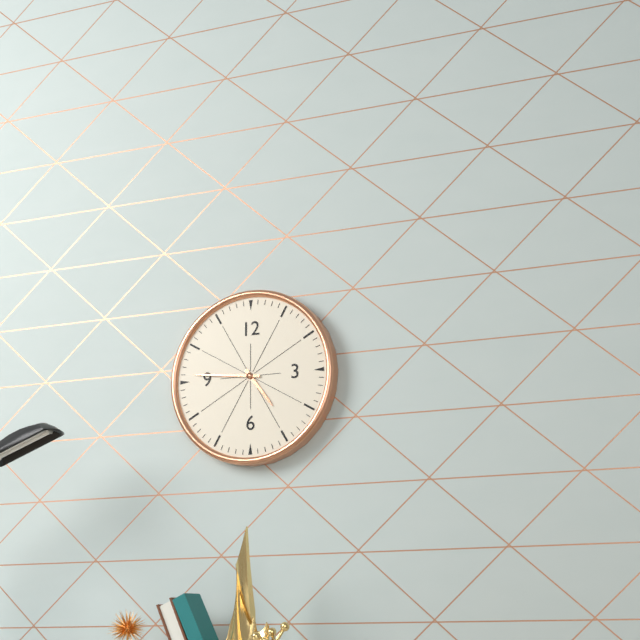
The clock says 4h46
